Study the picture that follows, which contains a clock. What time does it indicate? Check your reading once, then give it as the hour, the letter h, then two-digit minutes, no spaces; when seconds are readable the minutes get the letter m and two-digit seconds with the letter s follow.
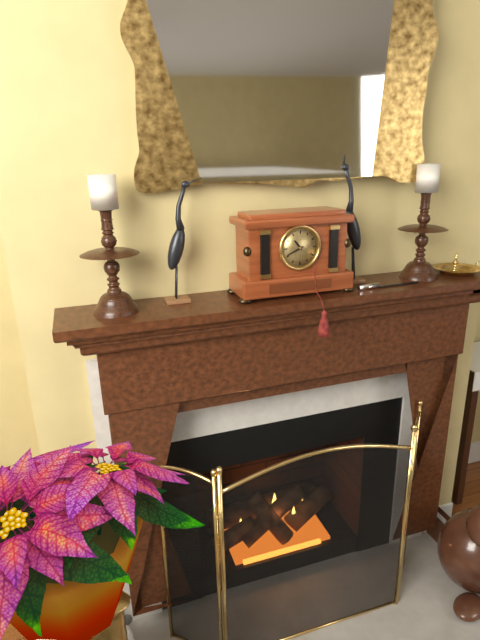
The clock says 10h41
